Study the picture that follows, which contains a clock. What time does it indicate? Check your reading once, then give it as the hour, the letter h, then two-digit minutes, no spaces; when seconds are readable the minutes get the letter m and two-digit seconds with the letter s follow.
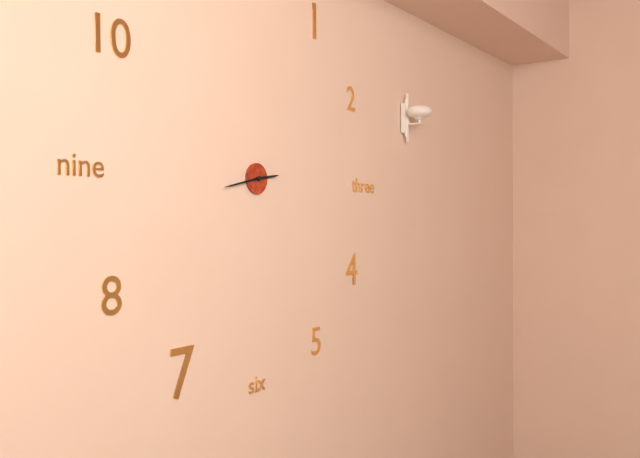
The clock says 2h43
